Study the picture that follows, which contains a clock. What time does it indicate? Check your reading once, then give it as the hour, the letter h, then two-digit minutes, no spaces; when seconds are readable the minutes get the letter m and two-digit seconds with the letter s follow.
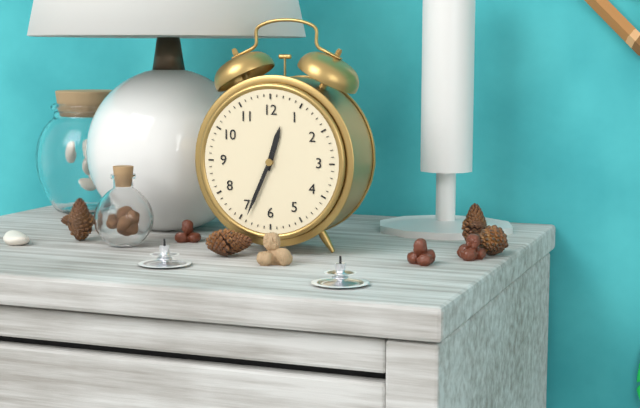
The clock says 12h34
